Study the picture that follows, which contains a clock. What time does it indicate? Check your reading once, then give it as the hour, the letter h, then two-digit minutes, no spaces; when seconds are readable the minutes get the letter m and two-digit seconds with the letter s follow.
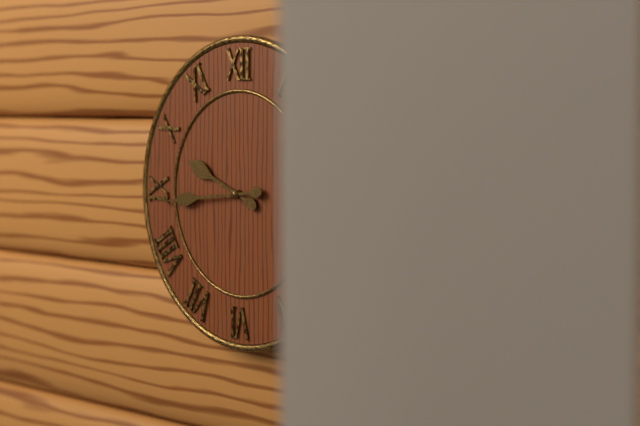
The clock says 9h44
